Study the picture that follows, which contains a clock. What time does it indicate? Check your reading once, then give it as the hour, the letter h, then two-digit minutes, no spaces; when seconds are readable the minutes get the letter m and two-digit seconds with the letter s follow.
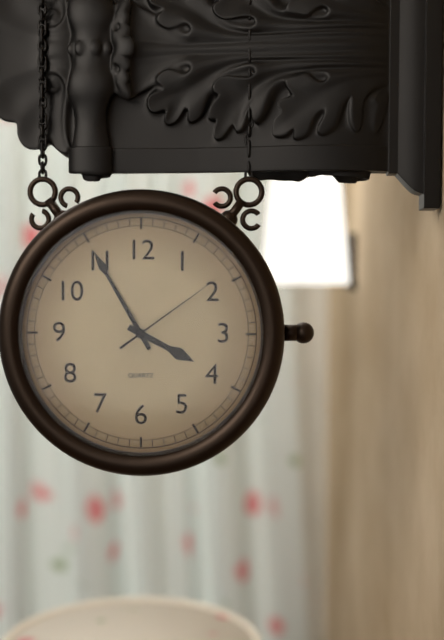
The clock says 3h55m09s
